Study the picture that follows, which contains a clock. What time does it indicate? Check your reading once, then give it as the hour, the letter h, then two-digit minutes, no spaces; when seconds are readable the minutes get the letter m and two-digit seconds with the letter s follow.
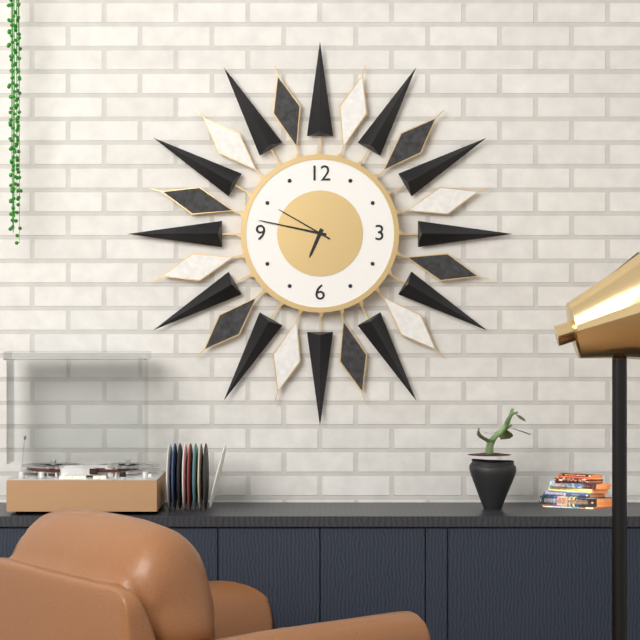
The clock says 6h47m50s
